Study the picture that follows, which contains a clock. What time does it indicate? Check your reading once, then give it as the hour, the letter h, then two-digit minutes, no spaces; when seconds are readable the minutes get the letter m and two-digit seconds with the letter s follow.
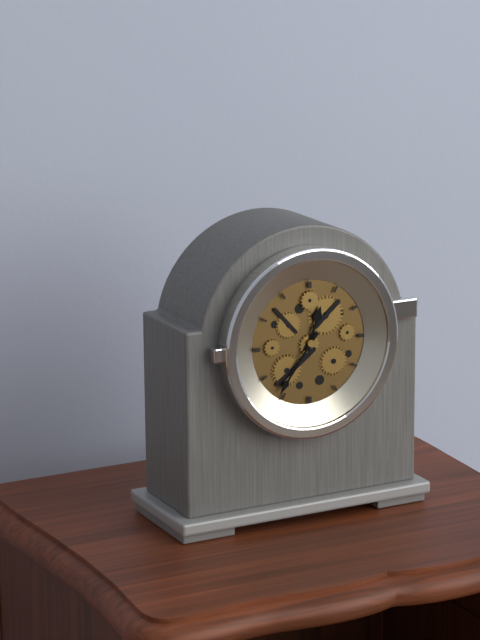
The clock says 12h36
